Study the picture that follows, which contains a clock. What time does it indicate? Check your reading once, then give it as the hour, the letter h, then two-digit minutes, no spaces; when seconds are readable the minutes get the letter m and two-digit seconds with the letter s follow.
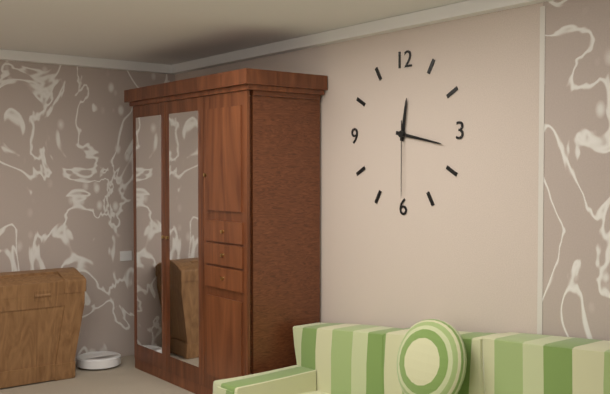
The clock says 12h17m30s
